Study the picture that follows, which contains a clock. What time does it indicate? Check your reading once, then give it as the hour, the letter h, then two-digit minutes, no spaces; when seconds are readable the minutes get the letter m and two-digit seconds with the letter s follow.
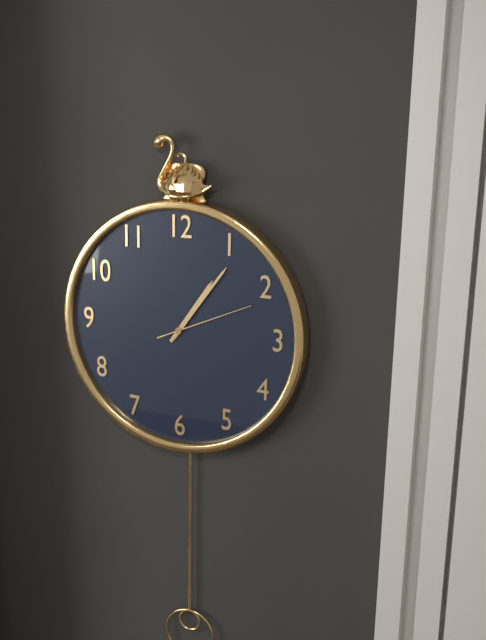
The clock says 1h06m11s
